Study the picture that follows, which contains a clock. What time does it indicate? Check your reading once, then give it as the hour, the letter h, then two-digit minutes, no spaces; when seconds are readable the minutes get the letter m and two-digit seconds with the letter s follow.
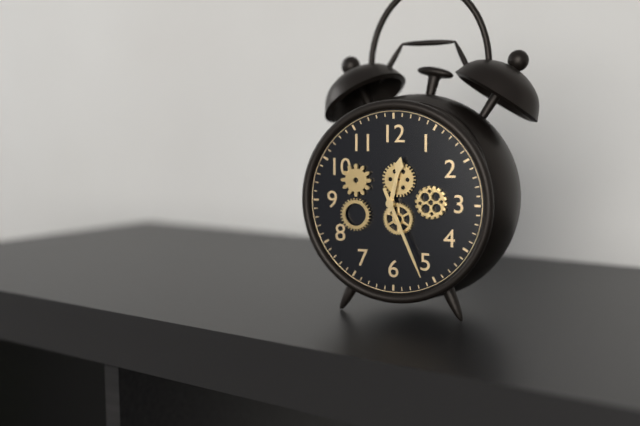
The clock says 12h26
